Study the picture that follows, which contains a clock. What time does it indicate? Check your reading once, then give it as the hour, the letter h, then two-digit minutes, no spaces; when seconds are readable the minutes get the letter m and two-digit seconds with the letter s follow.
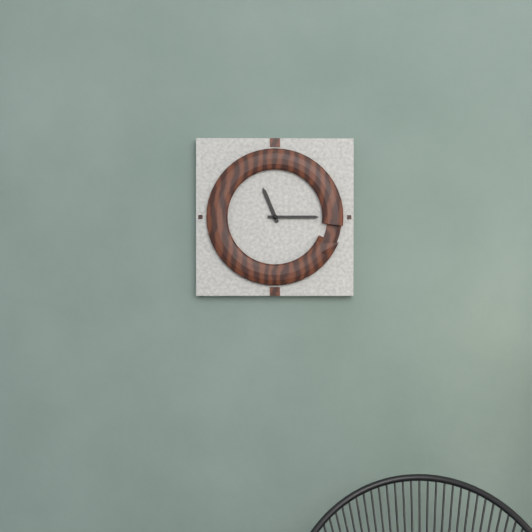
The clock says 11h15
